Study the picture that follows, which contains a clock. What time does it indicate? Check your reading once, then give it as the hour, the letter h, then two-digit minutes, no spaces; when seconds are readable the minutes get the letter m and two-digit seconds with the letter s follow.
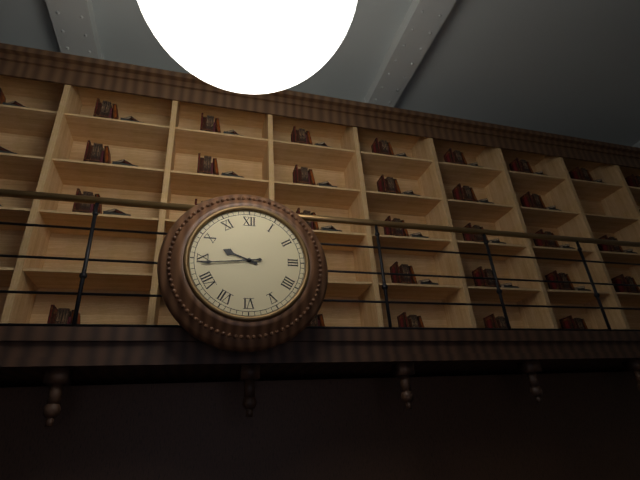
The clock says 9h44
